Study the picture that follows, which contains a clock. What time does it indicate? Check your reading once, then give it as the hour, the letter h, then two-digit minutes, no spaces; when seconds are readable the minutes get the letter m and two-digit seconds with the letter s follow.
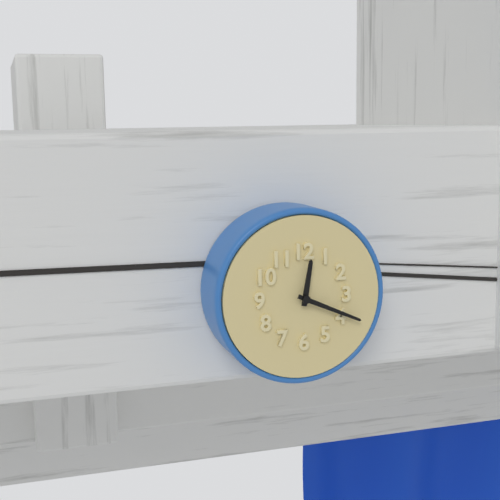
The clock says 12h19
